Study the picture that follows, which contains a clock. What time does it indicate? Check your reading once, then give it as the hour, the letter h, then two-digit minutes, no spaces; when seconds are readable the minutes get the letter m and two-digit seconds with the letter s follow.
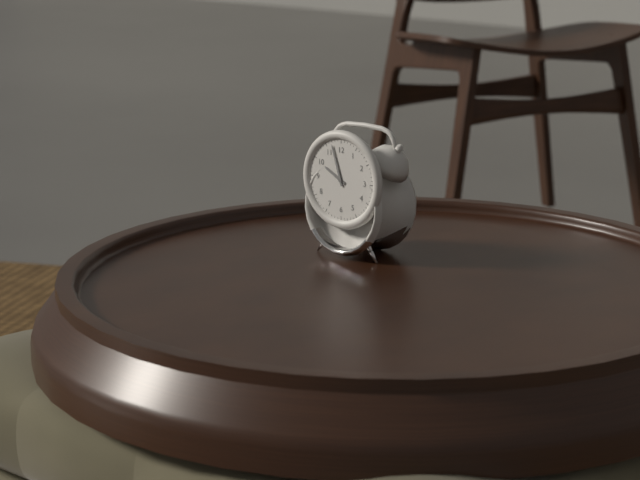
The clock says 9h57
